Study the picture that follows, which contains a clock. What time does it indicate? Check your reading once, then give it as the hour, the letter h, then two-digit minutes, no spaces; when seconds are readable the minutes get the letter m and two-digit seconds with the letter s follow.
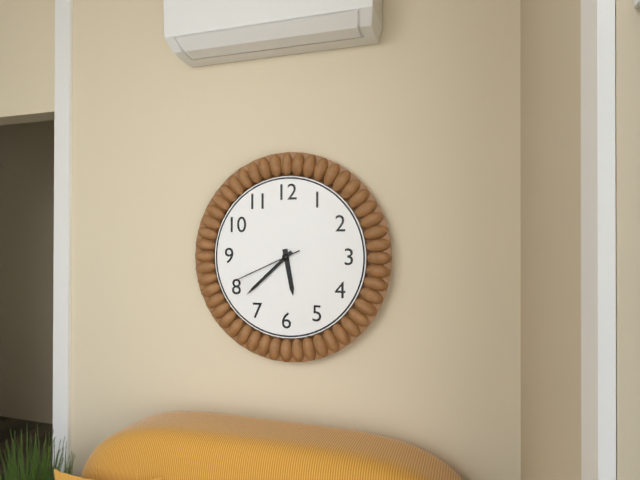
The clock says 5h38m41s
